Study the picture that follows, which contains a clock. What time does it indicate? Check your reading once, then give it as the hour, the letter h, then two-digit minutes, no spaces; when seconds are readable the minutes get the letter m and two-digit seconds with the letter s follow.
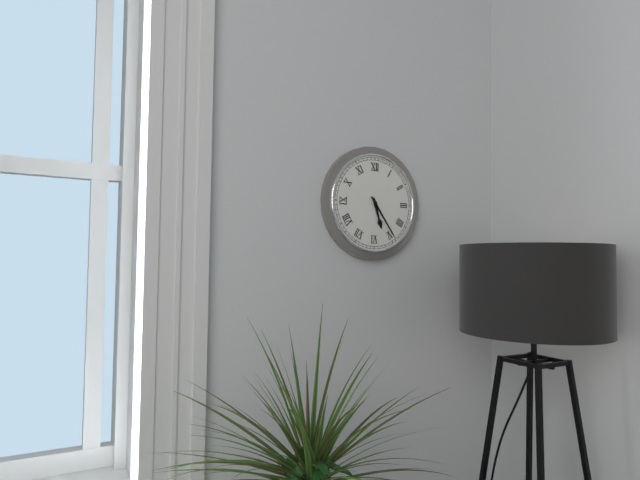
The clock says 5h24
